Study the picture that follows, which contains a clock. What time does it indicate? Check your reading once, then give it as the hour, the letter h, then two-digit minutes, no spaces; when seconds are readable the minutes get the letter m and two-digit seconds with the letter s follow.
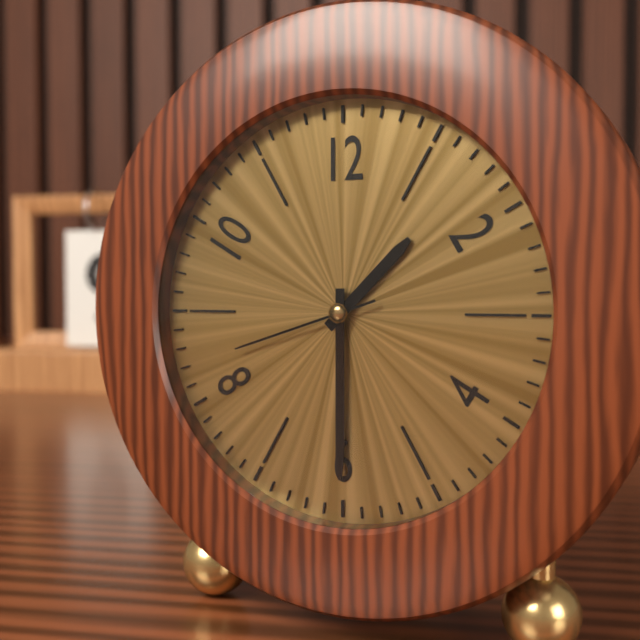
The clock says 1h30m42s
